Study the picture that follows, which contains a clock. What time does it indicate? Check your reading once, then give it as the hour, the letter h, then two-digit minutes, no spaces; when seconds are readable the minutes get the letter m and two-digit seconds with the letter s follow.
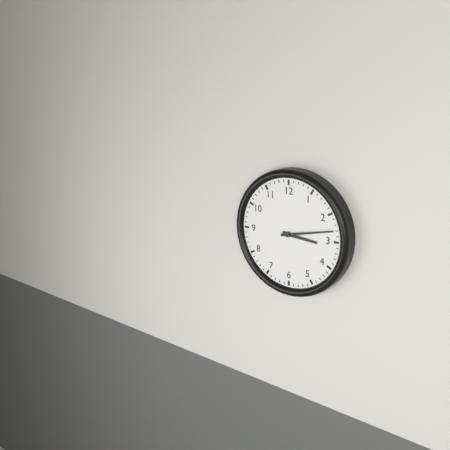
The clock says 3h13
